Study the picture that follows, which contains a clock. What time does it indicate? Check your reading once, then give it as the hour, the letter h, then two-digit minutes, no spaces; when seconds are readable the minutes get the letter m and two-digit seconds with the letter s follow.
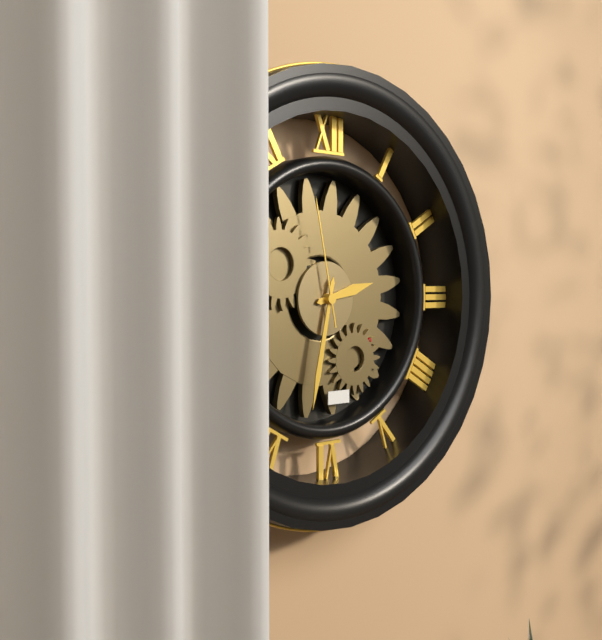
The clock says 2h32m58s
